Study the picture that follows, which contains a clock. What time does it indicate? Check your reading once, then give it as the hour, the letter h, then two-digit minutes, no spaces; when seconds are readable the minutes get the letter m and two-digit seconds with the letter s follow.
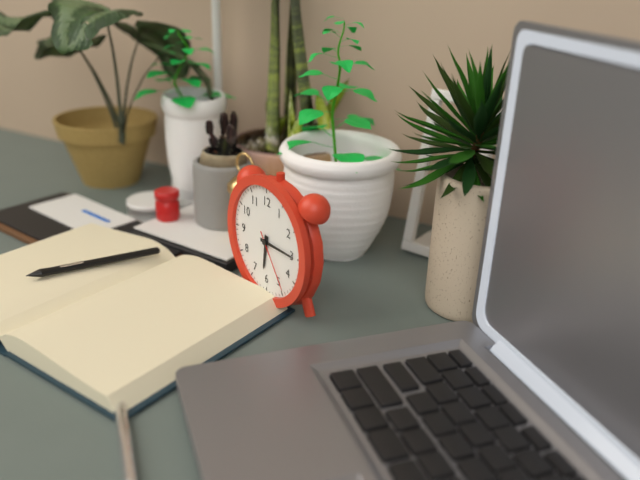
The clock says 6h15m24s
